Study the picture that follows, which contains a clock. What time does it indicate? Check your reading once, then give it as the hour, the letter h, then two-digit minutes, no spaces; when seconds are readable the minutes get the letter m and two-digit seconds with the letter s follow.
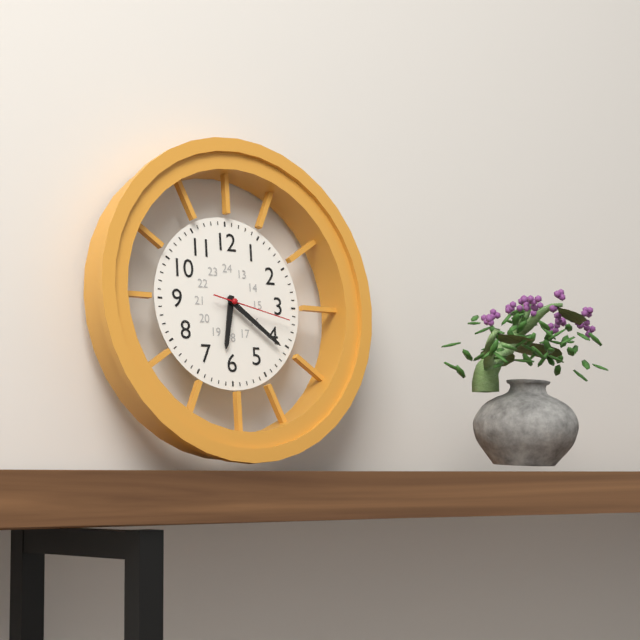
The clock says 6h21m17s
